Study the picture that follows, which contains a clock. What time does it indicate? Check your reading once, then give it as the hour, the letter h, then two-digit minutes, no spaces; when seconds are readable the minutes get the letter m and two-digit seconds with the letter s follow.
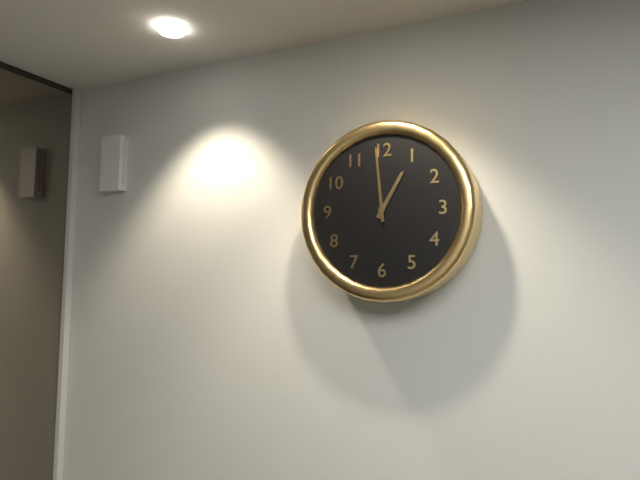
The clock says 12h59
